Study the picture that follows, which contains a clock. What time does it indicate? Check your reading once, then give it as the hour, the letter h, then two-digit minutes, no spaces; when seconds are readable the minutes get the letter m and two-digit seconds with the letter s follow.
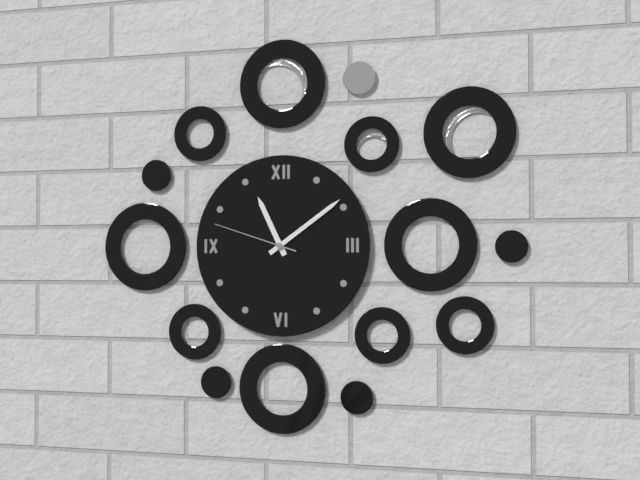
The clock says 11h09m48s
